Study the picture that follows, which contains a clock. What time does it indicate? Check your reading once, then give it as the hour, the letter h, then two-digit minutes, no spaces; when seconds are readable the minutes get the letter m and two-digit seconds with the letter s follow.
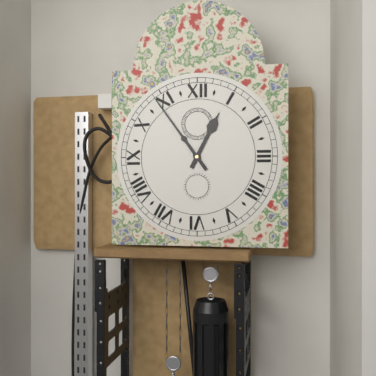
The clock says 12h54
